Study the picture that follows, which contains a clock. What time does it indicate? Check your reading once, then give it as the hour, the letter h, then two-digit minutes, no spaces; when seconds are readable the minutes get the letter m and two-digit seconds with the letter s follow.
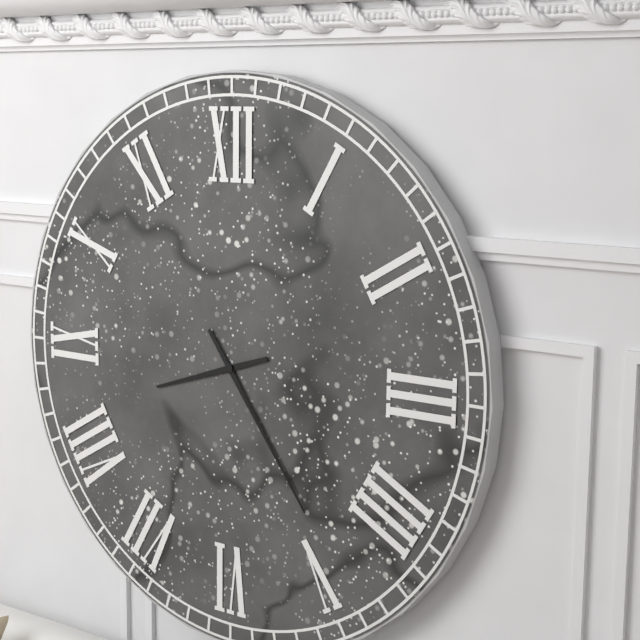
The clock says 8h24
